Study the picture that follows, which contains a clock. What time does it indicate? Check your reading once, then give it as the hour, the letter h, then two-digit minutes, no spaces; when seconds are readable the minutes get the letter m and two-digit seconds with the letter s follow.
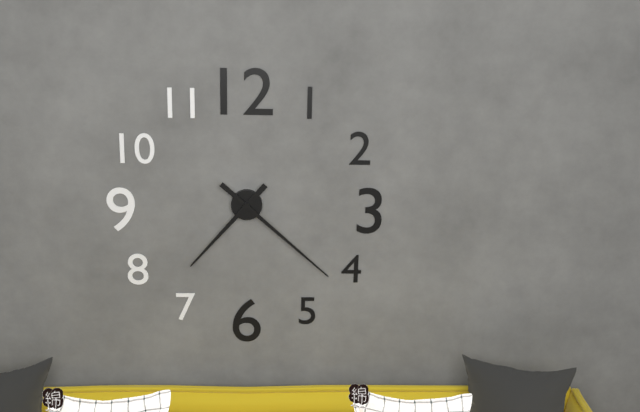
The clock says 7h22
